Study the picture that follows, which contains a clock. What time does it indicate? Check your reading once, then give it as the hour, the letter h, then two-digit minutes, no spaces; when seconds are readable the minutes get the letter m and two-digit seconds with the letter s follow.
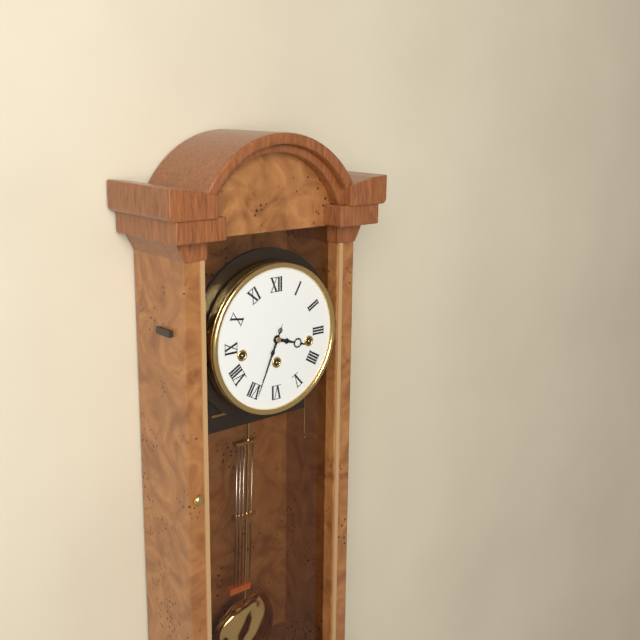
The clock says 3h34
